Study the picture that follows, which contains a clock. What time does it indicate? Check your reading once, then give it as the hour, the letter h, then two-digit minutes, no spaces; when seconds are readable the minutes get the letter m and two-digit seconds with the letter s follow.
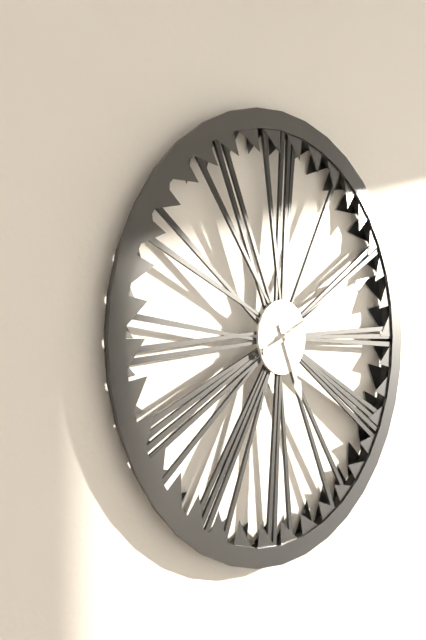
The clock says 5h11
